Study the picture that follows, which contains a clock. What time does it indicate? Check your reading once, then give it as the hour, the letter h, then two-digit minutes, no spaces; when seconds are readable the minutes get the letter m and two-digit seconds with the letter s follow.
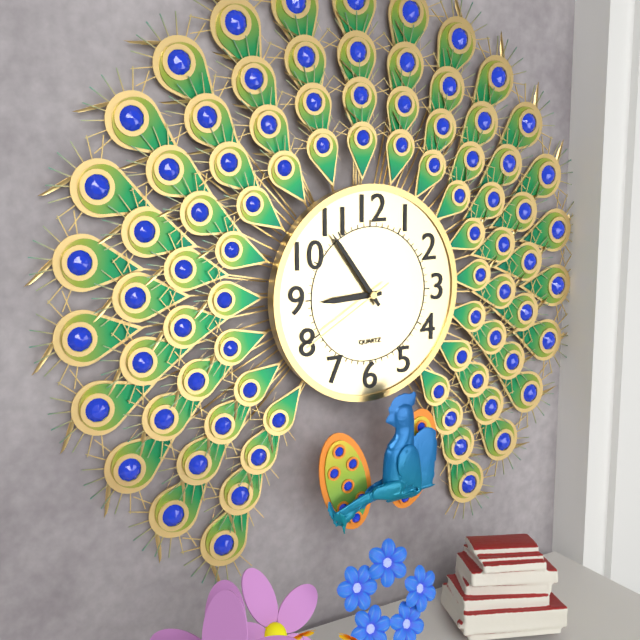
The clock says 8h54m40s
